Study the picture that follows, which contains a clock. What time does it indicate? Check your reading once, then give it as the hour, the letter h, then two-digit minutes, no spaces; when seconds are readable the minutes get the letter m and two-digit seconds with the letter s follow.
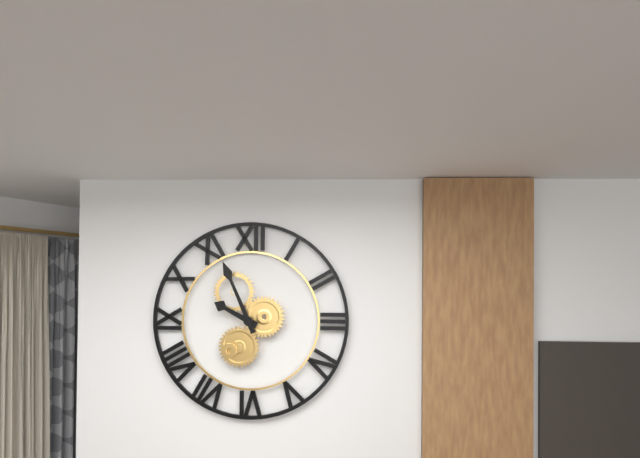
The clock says 9h56
